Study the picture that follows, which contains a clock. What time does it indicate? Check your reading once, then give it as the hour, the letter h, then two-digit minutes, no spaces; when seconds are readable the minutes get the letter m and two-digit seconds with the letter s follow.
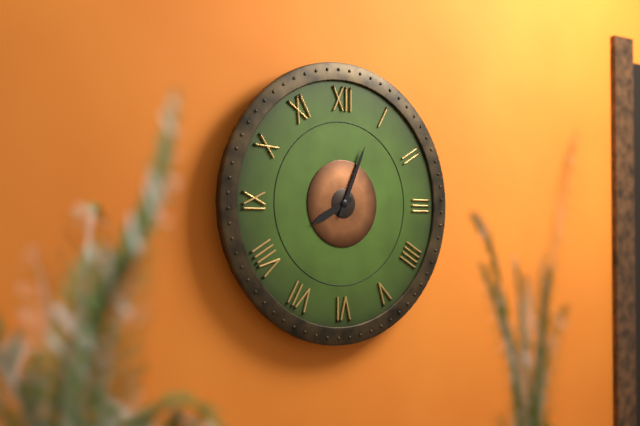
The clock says 8h04
